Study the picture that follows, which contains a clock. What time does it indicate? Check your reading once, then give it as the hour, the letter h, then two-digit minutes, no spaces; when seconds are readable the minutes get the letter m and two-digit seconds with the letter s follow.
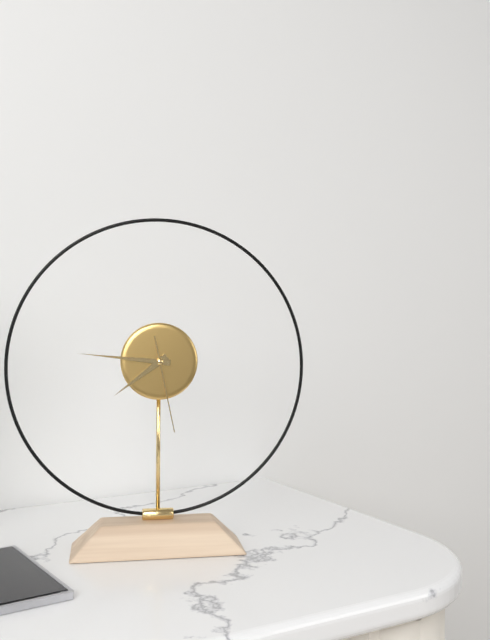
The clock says 7h46m28s
